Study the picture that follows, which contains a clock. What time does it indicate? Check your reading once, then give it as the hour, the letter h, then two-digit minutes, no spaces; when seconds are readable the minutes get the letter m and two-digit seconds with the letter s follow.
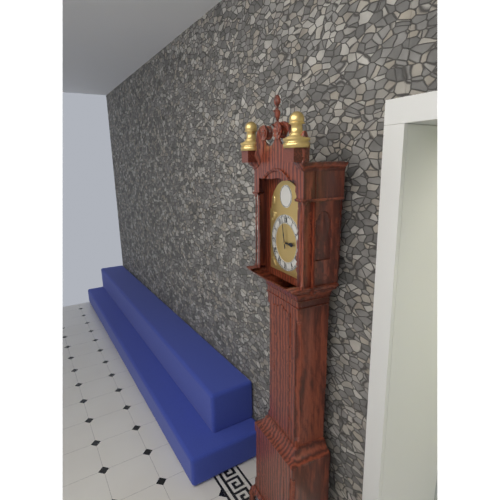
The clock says 2h58
